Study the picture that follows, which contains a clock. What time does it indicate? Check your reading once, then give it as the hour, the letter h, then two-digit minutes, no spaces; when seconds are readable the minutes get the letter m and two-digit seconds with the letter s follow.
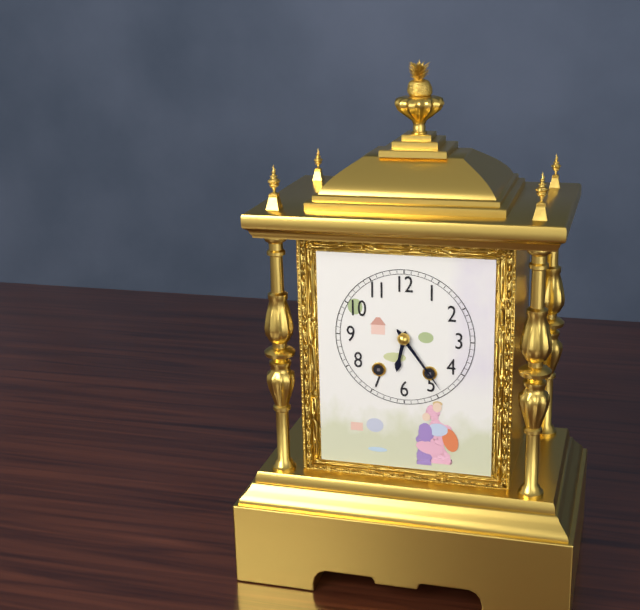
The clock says 6h24
